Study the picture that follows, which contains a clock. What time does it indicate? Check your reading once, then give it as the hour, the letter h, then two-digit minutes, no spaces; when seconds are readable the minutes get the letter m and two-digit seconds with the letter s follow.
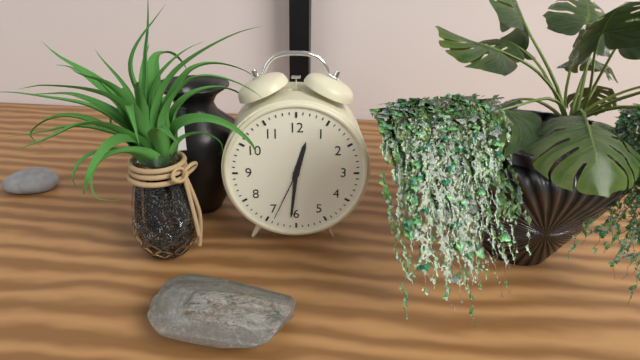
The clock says 12h31m34s
